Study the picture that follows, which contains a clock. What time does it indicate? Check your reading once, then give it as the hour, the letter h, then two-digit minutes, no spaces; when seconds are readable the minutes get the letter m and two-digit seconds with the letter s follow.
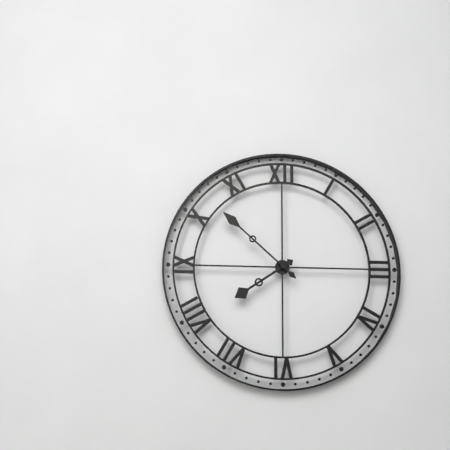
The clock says 7h52
